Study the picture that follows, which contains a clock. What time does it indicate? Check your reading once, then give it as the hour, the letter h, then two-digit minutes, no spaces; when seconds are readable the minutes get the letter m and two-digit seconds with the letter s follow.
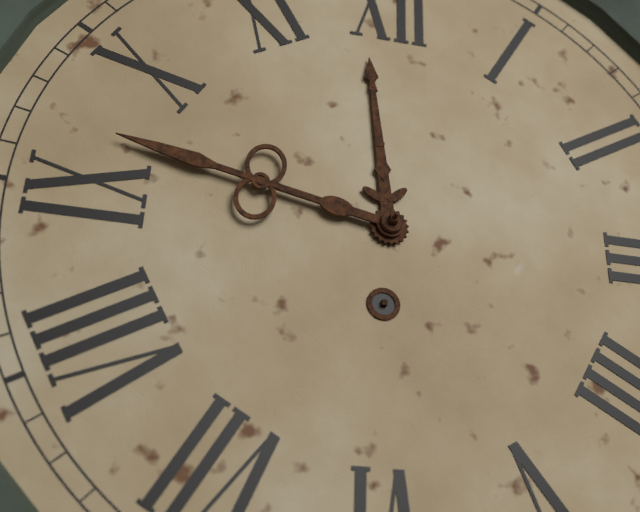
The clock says 11h47
